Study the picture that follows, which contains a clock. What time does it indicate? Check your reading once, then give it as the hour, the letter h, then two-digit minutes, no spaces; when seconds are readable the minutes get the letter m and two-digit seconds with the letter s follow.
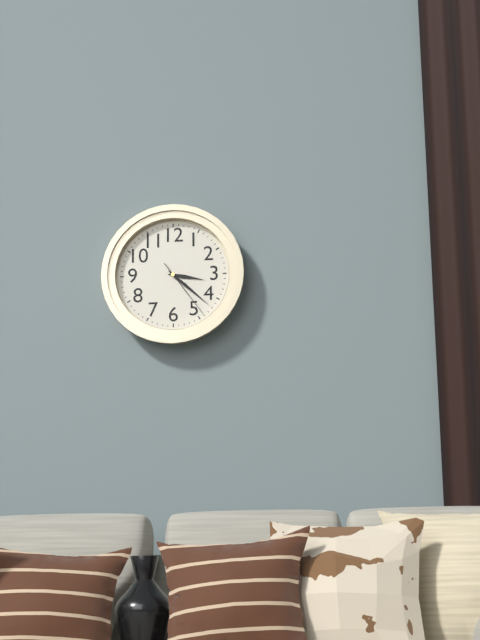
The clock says 3h22m24s
